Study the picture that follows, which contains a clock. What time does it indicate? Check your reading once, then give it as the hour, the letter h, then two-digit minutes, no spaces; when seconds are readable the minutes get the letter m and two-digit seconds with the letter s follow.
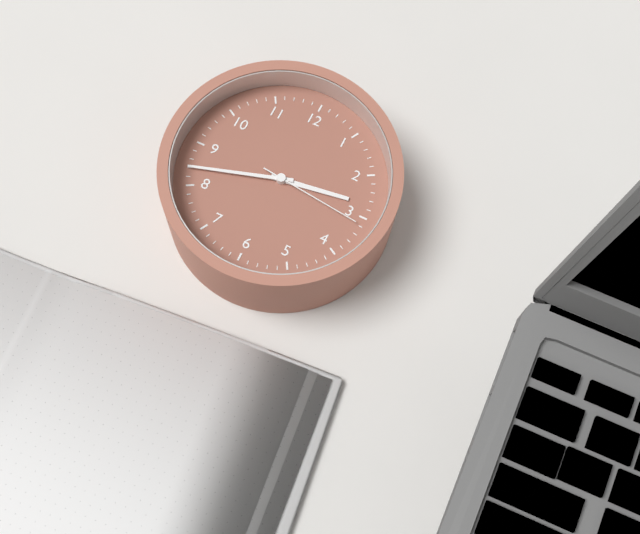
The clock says 2h42m16s
